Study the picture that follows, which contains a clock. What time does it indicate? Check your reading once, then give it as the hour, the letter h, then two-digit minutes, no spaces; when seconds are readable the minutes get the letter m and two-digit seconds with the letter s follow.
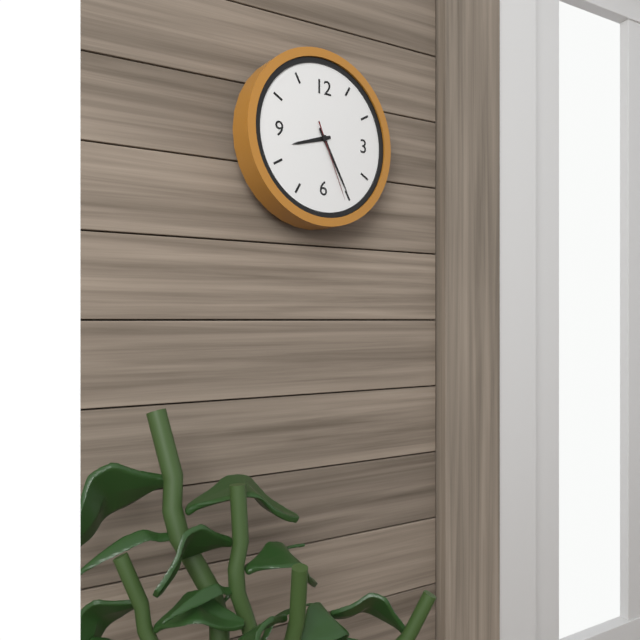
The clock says 8h25m26s
